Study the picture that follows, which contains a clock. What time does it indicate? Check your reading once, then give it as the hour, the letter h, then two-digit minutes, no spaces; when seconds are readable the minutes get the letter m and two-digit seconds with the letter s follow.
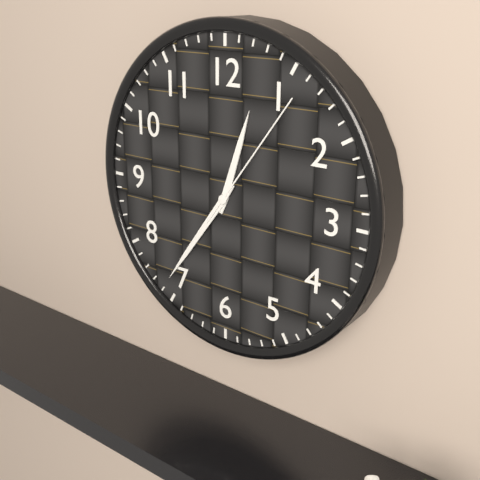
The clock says 12h36m06s
